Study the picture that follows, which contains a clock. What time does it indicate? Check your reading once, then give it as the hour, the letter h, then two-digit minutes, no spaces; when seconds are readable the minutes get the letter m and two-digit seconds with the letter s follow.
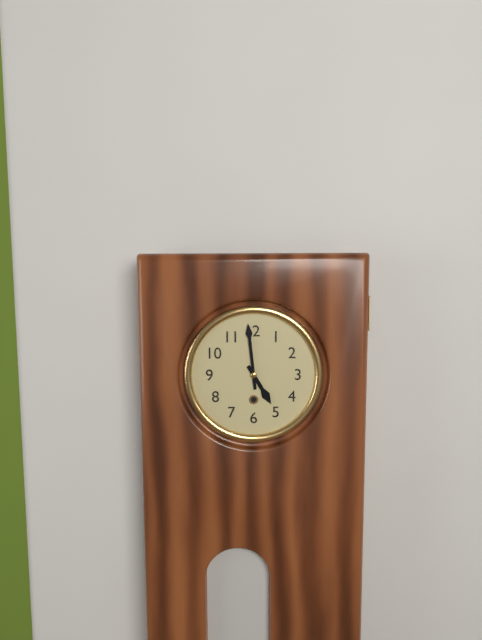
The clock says 4h59
